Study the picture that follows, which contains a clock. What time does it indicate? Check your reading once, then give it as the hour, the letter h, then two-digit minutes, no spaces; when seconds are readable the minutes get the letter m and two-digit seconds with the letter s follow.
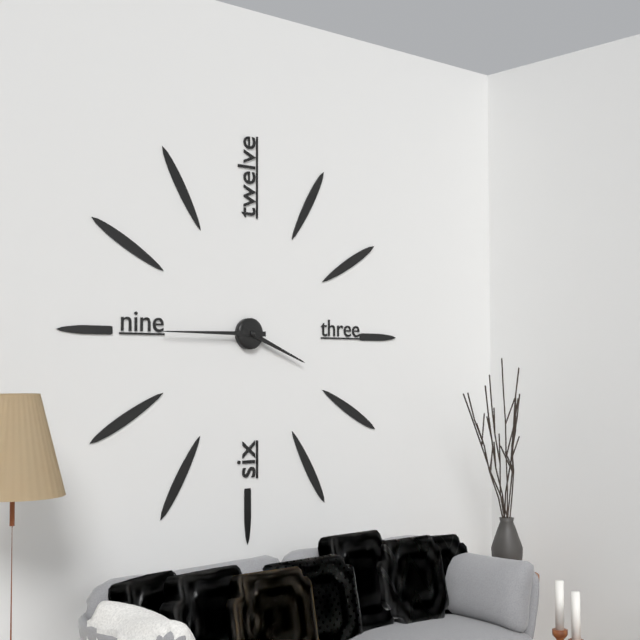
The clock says 3h45
